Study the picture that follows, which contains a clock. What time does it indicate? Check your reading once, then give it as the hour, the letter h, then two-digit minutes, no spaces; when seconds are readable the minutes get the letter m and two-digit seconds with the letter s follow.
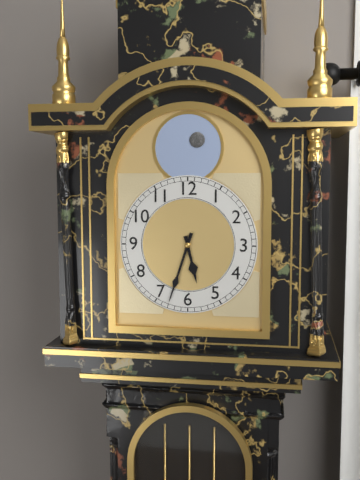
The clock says 5h33
